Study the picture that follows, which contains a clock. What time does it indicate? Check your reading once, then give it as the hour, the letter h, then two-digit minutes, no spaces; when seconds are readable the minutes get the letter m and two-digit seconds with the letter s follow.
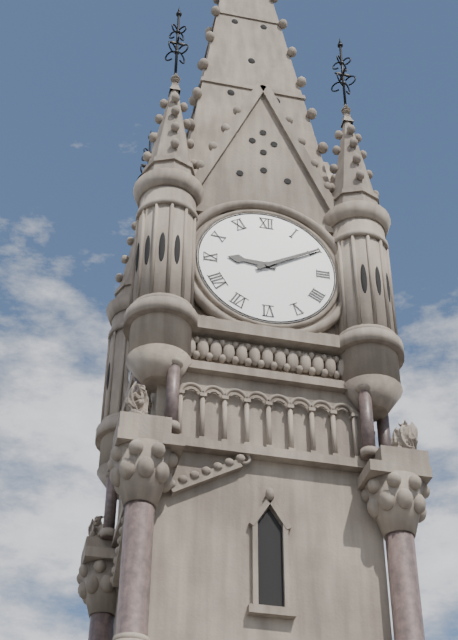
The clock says 9h10
